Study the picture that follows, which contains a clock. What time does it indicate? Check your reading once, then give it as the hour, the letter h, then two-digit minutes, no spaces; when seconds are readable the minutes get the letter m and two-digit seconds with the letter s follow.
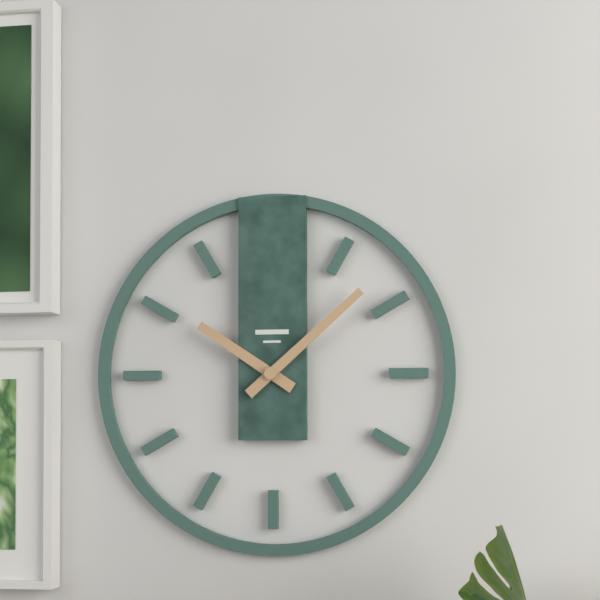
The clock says 10h08
